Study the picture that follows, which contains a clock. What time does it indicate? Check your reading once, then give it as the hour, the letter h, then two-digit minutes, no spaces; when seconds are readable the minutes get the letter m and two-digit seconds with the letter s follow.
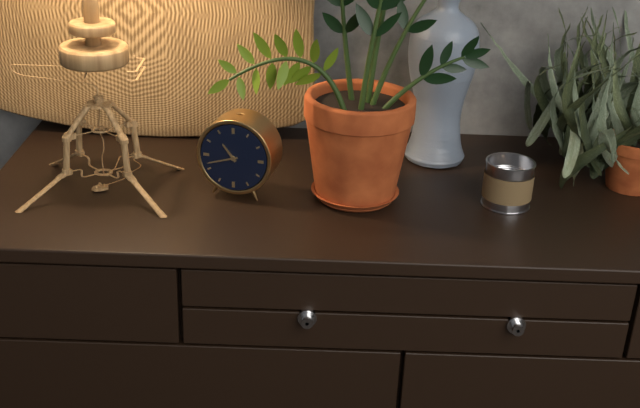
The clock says 10h42
